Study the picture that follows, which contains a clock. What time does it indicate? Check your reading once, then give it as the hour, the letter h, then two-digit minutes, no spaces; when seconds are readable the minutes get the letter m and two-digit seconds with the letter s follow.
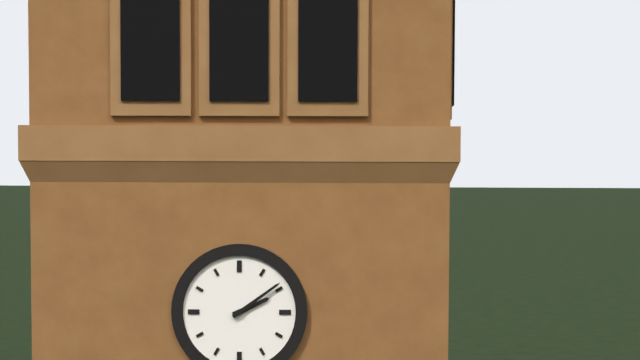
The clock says 2h09
